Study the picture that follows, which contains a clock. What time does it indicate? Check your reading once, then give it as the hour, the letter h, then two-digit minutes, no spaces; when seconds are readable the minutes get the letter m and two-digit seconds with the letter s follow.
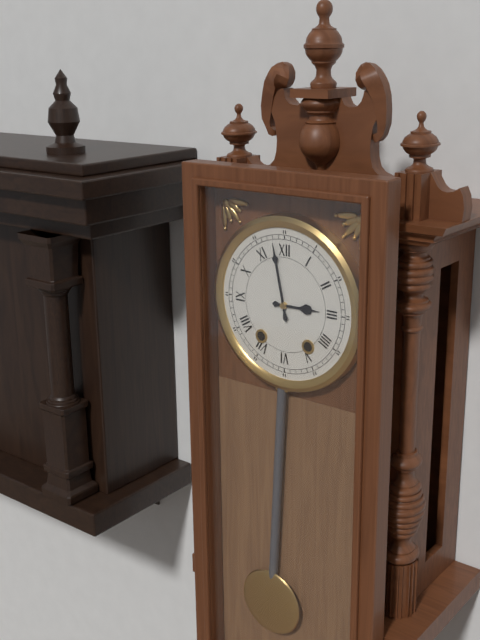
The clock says 2h58
